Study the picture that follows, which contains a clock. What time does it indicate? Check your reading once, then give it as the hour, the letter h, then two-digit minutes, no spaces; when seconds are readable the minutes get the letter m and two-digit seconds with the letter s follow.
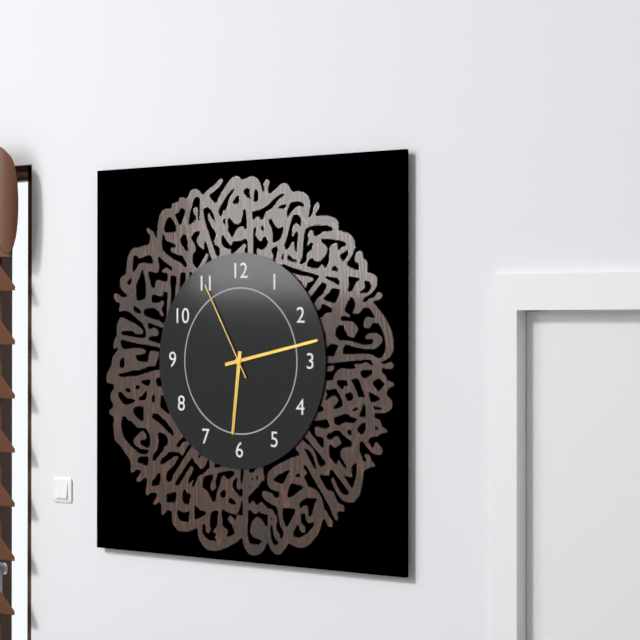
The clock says 6h13m55s
